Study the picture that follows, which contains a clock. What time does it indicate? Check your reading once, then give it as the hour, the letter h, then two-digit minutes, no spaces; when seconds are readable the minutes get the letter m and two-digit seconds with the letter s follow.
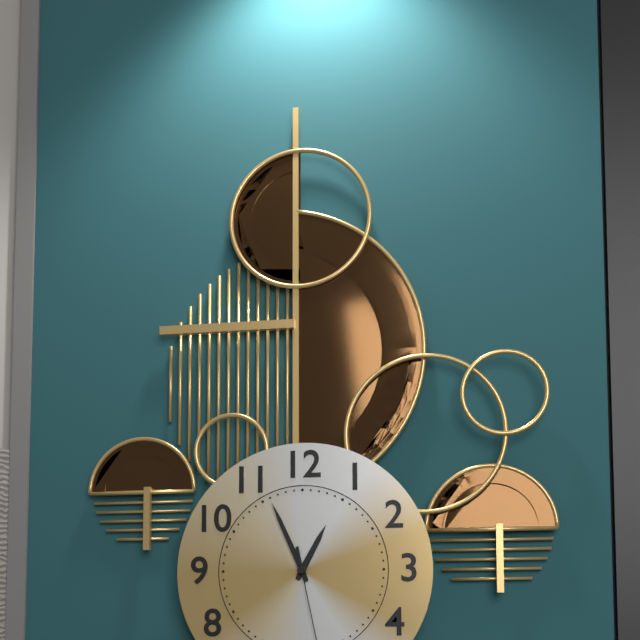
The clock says 12h56
